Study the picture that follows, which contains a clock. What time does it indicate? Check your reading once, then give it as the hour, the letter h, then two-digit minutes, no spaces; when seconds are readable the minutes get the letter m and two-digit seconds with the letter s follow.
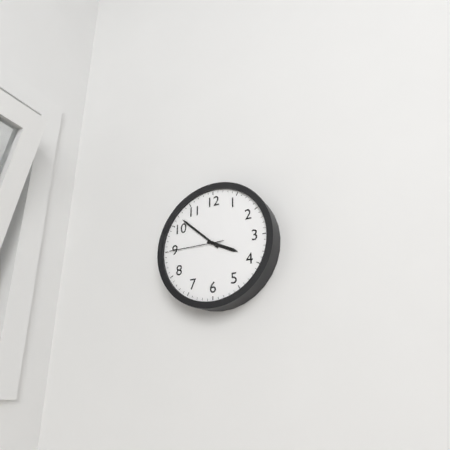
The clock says 3h52m45s
